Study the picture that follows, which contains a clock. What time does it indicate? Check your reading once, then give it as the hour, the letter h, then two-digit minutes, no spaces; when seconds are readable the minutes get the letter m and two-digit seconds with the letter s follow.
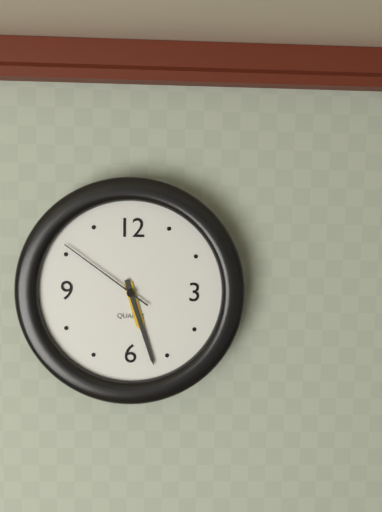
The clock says 5h27m51s
